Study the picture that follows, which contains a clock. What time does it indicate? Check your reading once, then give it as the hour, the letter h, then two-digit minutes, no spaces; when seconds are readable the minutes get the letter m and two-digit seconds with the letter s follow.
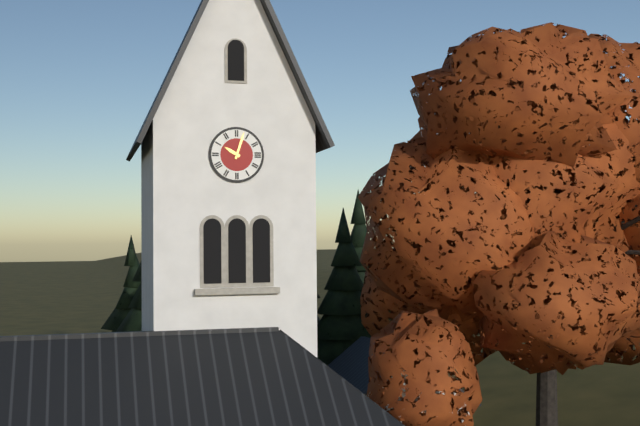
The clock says 10h03
